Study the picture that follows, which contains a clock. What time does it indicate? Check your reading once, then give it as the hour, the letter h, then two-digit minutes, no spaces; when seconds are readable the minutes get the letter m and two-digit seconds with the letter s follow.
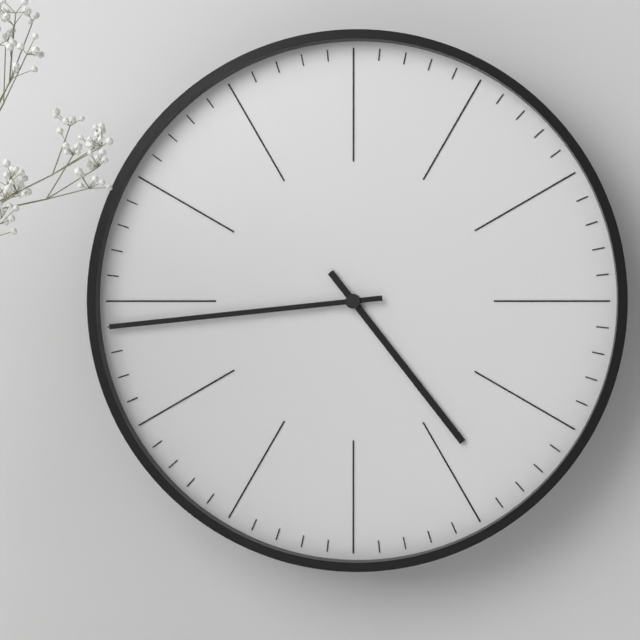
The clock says 4h44
